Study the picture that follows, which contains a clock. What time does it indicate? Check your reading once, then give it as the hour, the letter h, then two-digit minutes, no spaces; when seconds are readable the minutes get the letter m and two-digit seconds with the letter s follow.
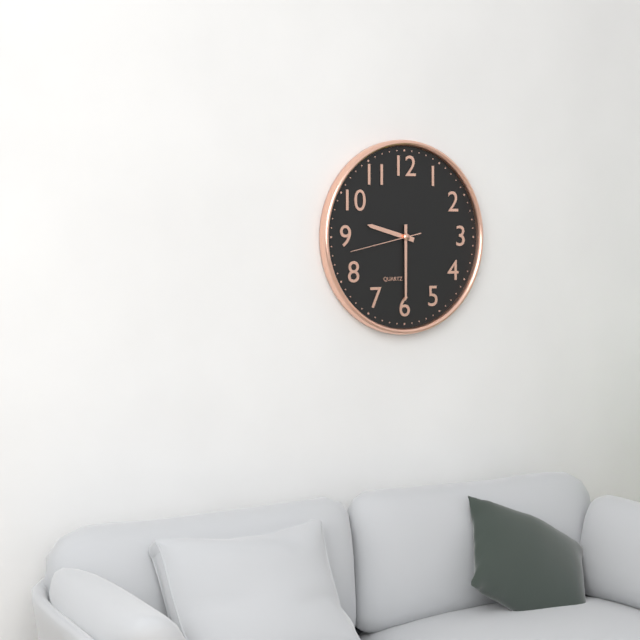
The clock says 9h30m43s
